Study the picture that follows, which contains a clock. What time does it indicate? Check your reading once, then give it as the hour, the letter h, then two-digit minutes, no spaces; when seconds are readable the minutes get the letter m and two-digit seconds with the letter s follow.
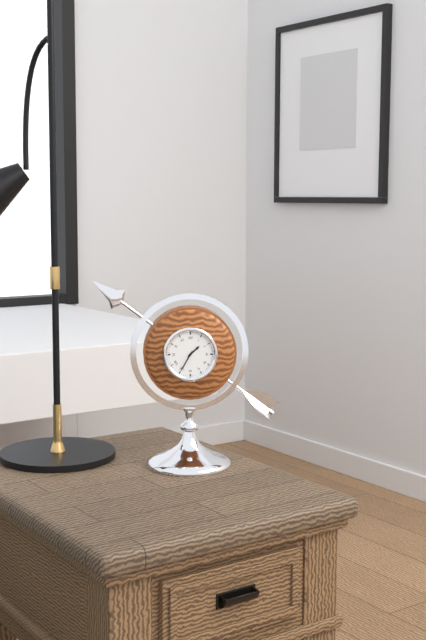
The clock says 1h35
